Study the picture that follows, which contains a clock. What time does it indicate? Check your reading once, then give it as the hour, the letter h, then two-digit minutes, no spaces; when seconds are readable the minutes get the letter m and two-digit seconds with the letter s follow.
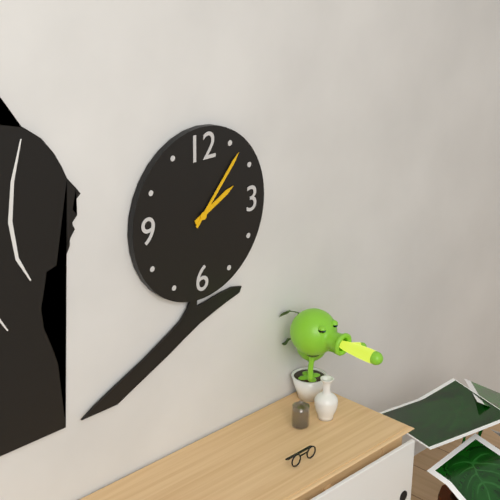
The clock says 2h07
